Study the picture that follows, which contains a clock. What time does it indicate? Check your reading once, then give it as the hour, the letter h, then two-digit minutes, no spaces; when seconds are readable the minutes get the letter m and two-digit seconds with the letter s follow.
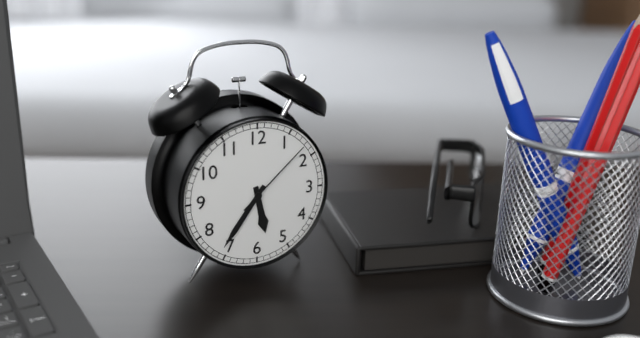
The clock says 5h36m08s
